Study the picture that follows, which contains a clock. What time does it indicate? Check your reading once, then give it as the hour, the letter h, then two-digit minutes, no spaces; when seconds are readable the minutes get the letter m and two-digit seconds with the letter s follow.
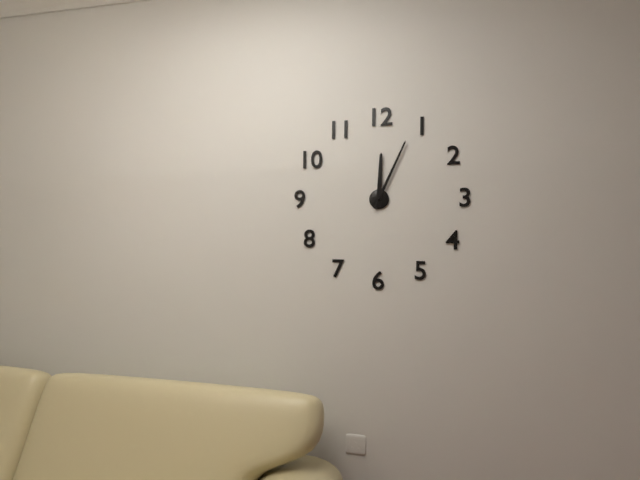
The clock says 12h04
